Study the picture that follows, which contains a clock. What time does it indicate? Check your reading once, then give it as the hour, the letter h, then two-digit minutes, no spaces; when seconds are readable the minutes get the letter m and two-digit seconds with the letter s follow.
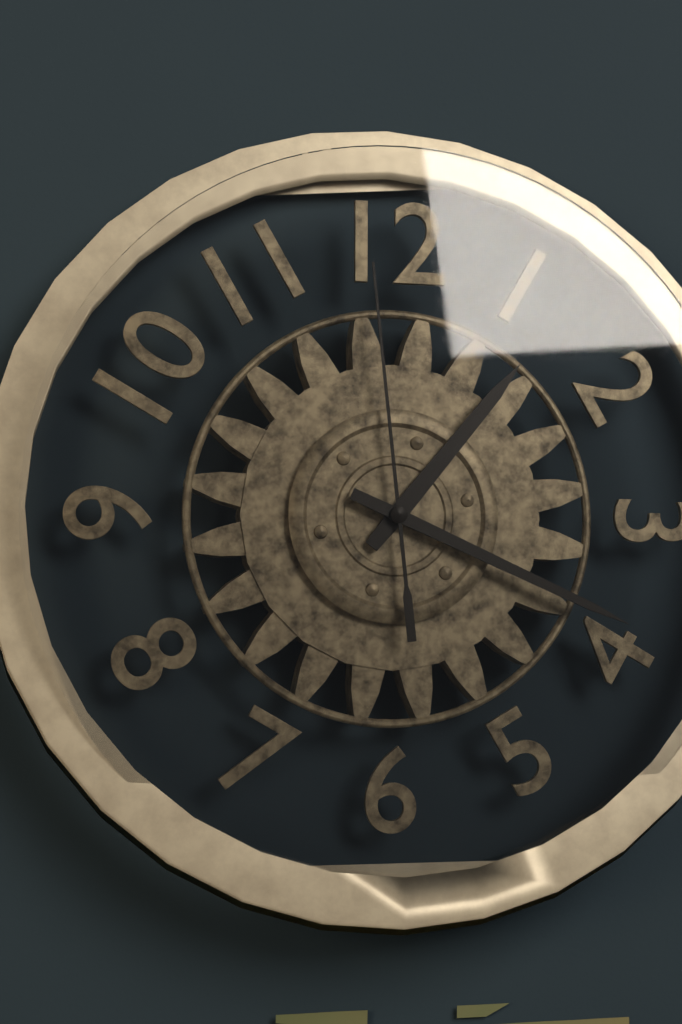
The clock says 1h19m59s
